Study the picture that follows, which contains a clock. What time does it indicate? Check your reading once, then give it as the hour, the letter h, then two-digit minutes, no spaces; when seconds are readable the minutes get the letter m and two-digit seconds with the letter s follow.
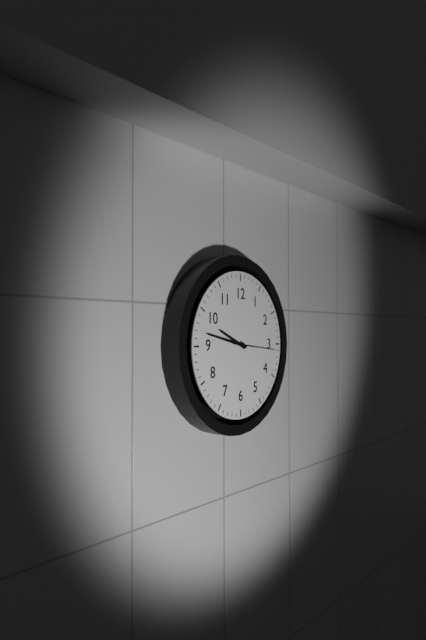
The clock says 9h47
